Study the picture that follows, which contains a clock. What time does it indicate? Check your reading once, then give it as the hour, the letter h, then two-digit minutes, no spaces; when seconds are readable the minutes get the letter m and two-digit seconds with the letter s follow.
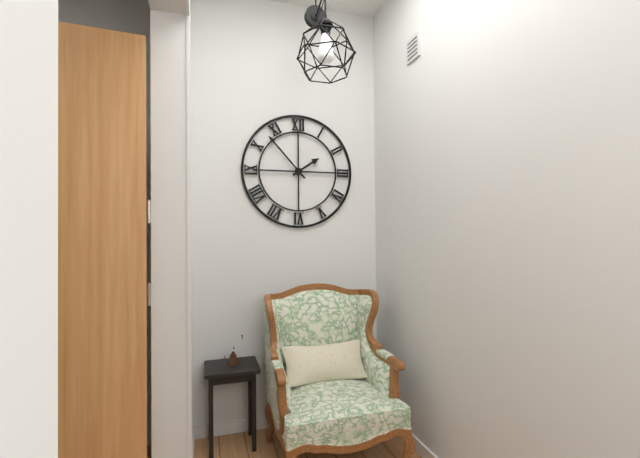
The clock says 1h53
